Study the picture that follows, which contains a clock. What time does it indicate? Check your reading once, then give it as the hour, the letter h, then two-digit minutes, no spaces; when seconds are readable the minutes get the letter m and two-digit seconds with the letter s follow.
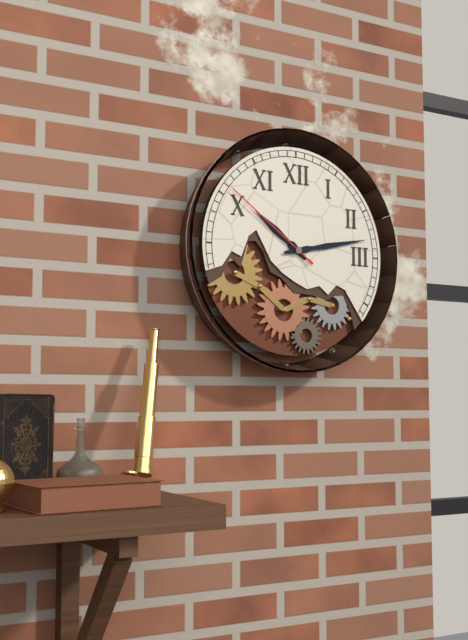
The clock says 10h13m51s
